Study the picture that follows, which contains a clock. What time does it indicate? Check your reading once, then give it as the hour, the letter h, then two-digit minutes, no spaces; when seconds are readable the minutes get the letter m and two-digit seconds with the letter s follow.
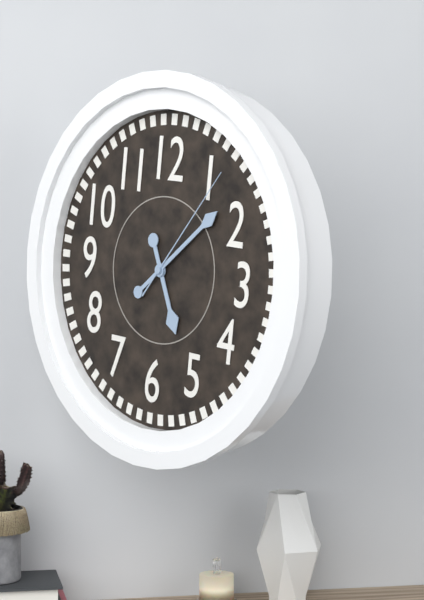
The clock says 5h08m06s
